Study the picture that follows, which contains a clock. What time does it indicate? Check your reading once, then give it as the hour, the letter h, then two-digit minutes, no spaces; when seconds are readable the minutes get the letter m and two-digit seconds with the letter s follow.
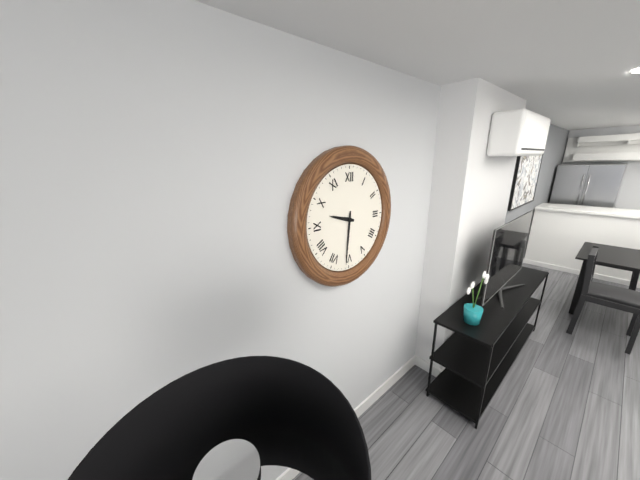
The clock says 9h31
